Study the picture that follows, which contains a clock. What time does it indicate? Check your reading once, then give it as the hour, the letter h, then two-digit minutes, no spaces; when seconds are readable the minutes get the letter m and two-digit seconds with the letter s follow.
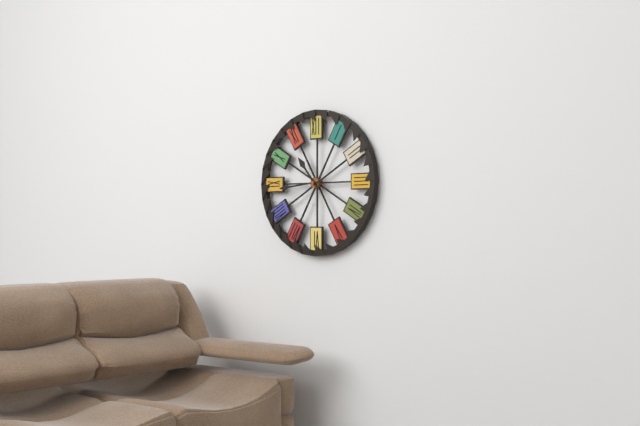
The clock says 10h44
